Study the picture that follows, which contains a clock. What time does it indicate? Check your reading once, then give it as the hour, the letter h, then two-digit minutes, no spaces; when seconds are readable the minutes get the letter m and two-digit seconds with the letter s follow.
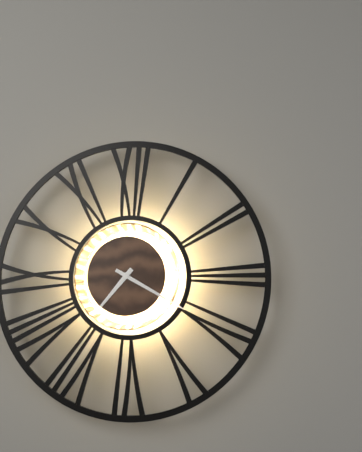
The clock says 7h20
